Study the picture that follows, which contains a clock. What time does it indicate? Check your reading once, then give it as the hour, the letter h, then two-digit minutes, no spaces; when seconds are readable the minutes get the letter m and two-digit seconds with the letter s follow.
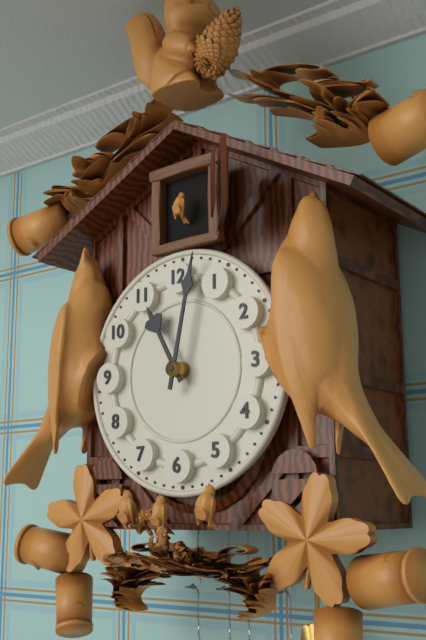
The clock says 11h02
